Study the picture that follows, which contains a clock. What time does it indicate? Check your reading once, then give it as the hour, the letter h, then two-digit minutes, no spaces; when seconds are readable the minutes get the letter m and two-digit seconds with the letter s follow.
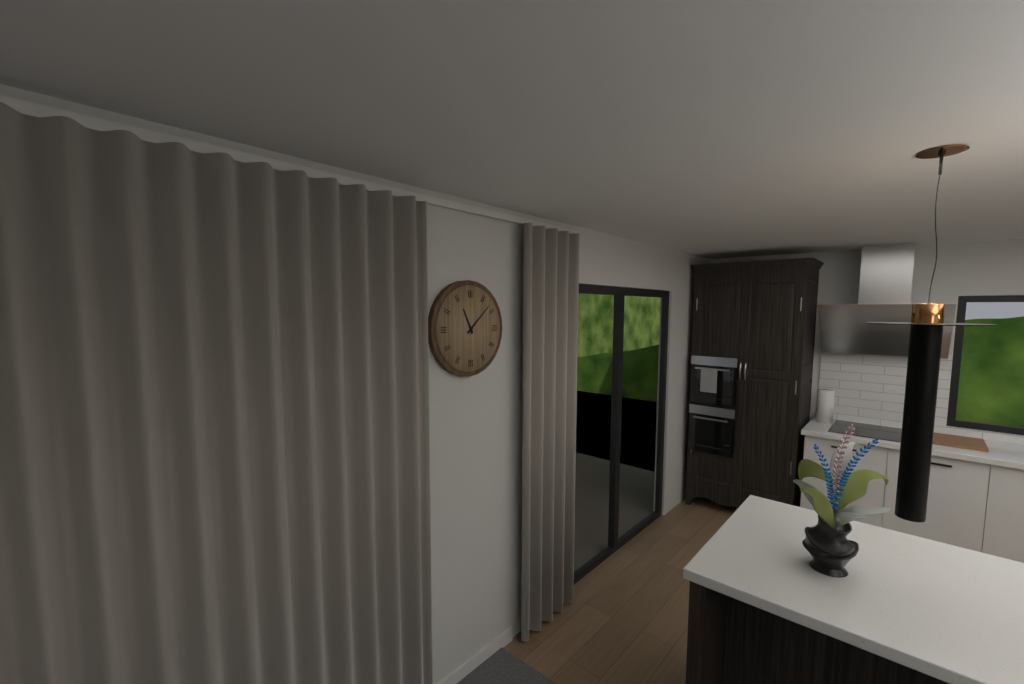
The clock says 11h08
